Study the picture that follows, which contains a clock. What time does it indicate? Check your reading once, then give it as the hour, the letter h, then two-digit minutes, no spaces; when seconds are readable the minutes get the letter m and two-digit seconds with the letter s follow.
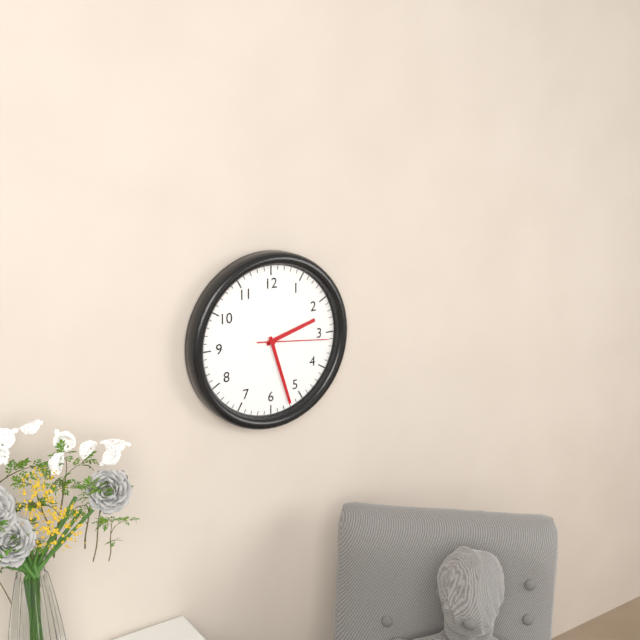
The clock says 2h27m16s
